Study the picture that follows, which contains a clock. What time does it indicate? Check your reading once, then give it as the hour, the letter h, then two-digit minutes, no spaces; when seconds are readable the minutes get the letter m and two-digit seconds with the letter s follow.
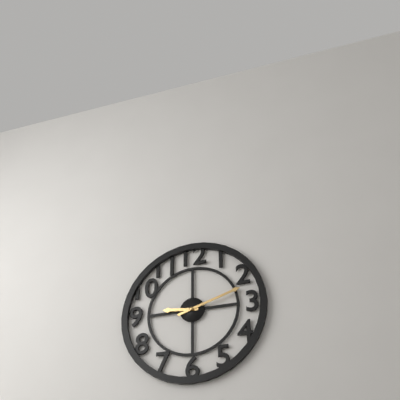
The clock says 9h12
